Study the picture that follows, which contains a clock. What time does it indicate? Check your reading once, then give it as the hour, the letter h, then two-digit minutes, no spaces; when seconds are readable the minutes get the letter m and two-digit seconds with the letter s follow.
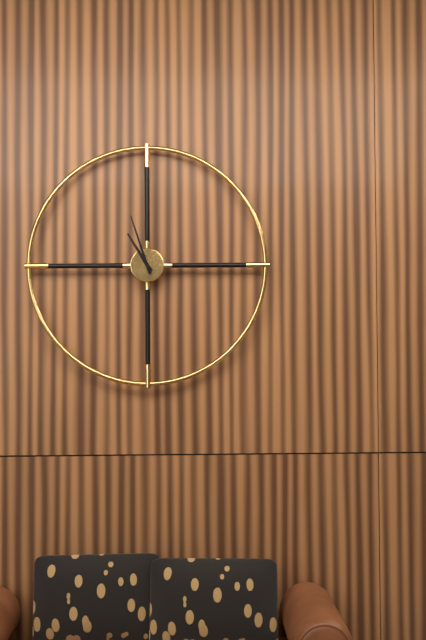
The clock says 10h57
